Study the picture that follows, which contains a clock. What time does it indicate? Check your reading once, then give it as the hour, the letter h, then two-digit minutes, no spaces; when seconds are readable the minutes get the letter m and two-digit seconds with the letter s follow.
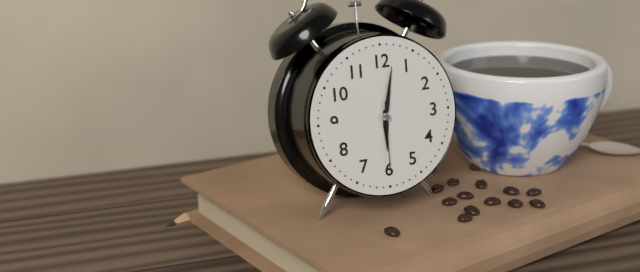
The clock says 6h02m30s
